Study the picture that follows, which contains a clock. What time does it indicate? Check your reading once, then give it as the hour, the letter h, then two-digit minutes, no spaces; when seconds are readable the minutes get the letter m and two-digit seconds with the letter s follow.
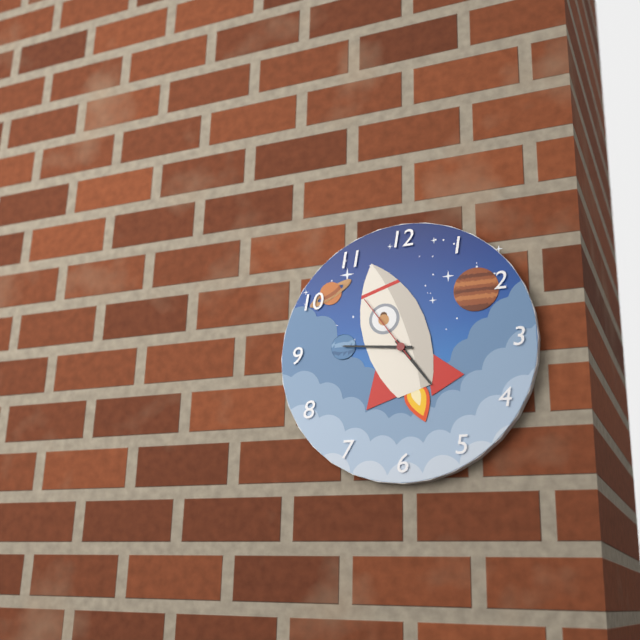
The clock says 4h46m54s
